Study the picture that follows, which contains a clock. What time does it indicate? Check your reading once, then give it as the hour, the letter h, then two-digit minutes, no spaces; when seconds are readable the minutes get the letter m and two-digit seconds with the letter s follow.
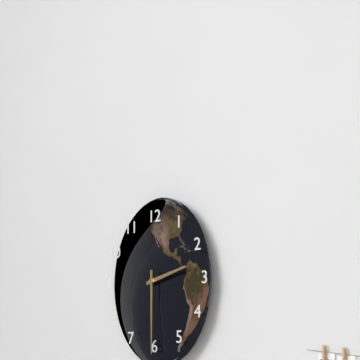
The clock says 2h30
